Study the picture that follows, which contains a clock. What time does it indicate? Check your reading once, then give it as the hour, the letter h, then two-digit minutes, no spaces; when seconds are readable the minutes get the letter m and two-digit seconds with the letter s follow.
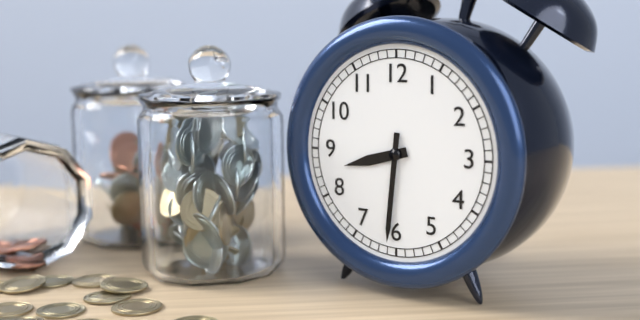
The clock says 8h31
